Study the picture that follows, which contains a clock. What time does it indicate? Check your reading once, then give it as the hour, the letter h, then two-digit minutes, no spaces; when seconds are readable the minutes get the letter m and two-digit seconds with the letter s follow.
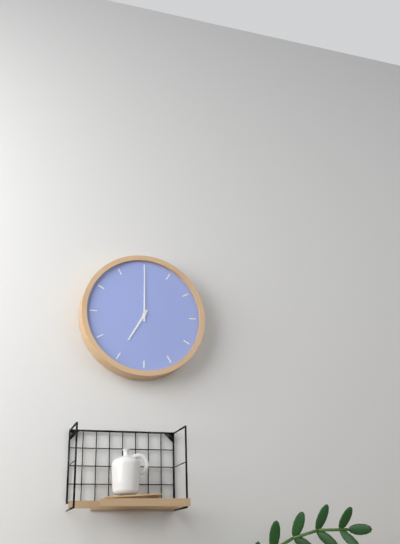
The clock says 7h00
